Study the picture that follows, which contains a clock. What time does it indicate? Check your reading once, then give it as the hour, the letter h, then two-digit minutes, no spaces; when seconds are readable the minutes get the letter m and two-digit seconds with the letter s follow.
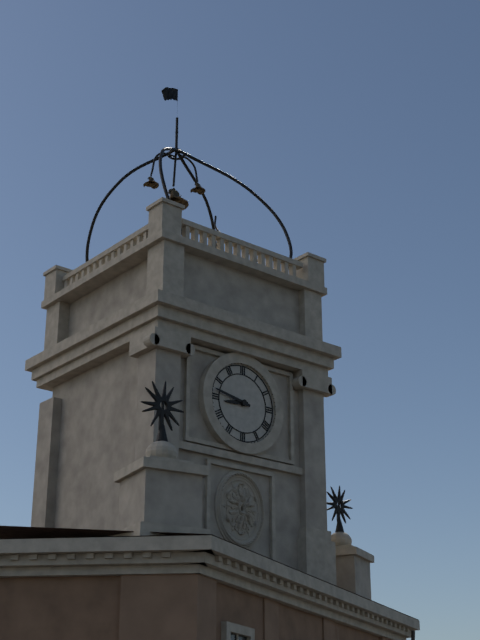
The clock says 8h47
